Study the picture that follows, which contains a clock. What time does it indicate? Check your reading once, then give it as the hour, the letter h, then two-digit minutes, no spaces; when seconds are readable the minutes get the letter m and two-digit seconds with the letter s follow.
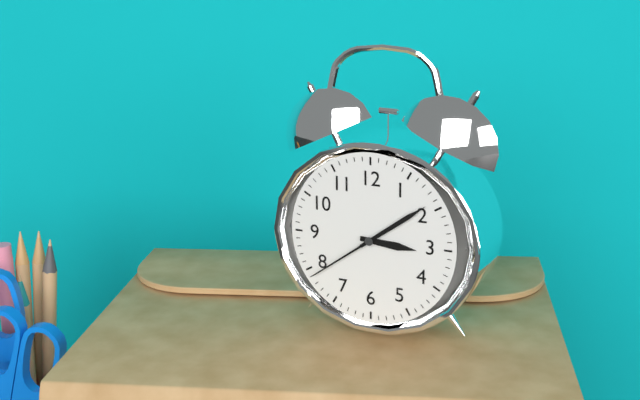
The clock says 3h09m39s
